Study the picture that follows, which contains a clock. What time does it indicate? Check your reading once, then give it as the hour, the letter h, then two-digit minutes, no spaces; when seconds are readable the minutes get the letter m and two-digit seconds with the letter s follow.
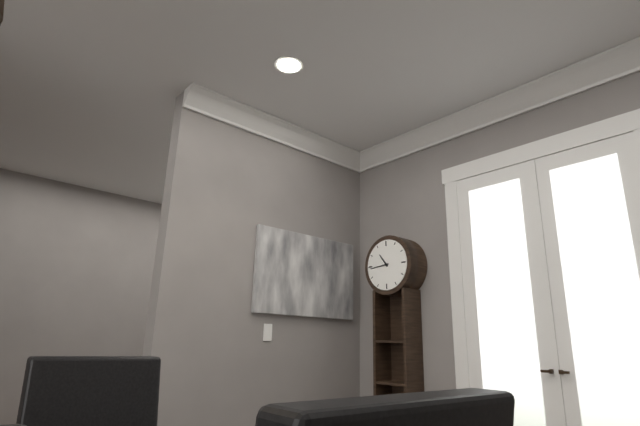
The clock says 10h44
